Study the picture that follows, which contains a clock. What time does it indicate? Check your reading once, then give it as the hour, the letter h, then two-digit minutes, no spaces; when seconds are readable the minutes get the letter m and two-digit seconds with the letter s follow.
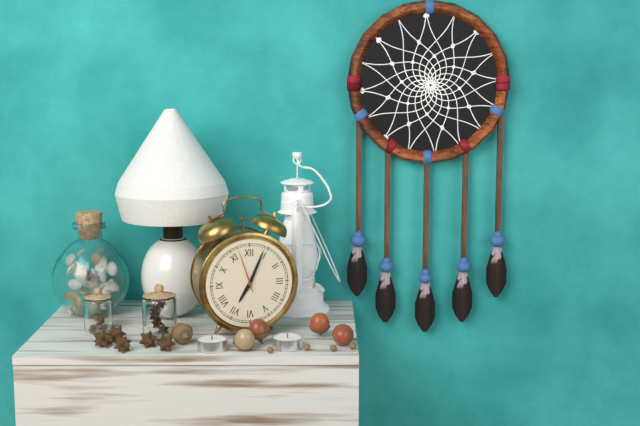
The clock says 7h04
